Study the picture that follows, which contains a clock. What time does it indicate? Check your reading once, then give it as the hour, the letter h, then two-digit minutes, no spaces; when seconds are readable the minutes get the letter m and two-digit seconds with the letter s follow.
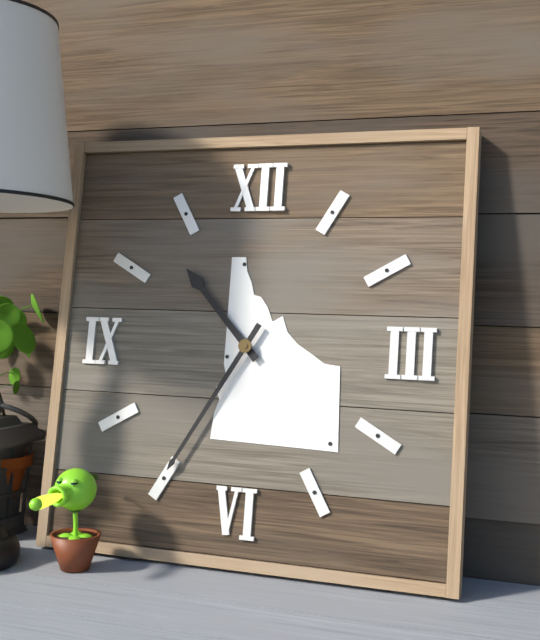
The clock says 10h35
